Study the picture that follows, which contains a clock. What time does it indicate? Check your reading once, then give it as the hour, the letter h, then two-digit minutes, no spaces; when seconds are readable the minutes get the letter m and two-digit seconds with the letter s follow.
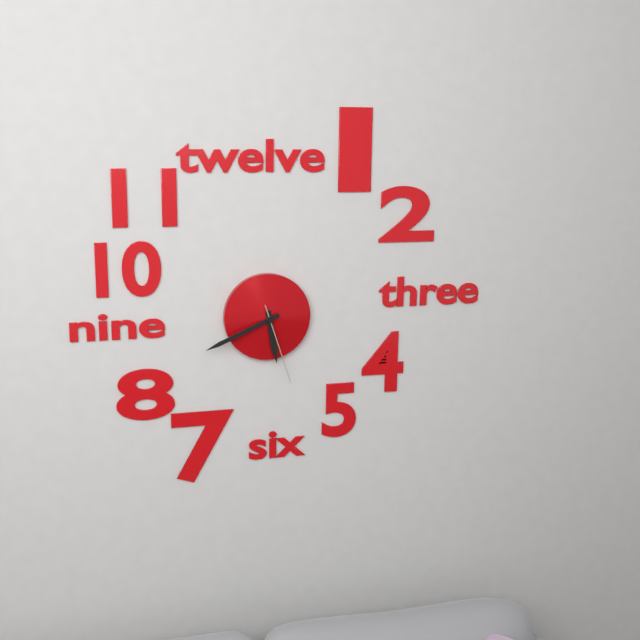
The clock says 5h41m27s
